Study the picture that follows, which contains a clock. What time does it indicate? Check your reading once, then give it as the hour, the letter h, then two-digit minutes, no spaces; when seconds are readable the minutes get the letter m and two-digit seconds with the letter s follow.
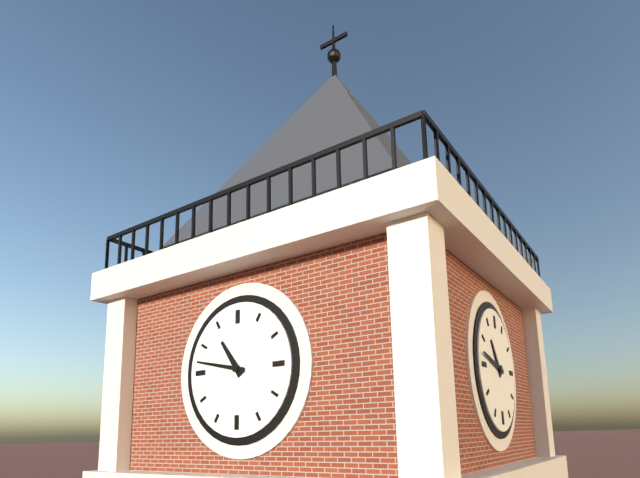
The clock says 10h47
